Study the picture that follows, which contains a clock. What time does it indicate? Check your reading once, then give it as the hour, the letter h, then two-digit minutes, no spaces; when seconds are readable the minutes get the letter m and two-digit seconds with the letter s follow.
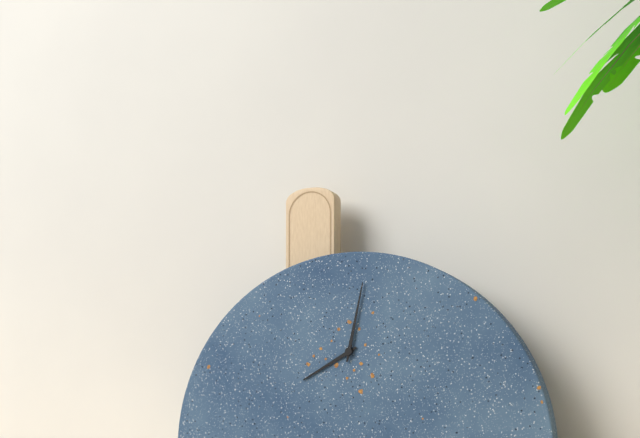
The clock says 8h02
